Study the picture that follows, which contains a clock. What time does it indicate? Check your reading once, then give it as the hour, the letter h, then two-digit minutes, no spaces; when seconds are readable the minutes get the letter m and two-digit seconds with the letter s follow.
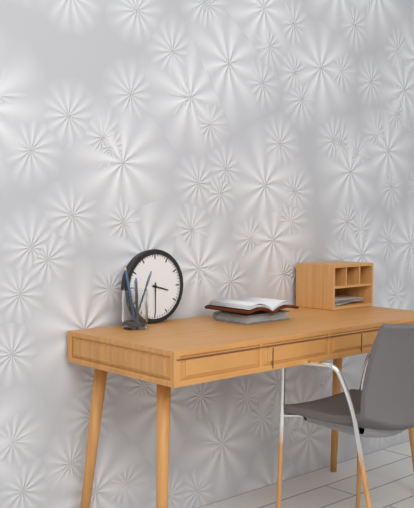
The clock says 3h30
